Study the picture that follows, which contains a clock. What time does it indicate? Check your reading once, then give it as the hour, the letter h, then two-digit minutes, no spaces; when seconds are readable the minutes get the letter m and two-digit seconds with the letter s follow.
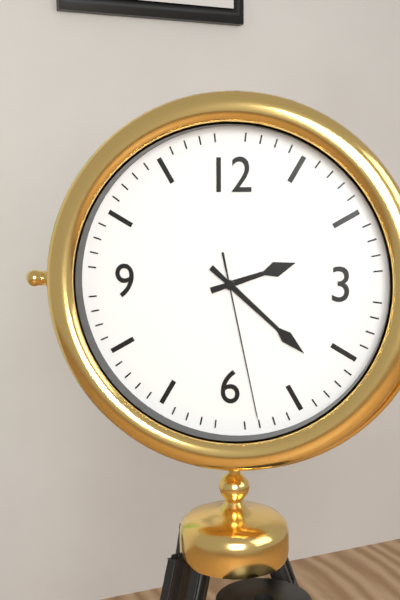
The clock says 2h22m28s
